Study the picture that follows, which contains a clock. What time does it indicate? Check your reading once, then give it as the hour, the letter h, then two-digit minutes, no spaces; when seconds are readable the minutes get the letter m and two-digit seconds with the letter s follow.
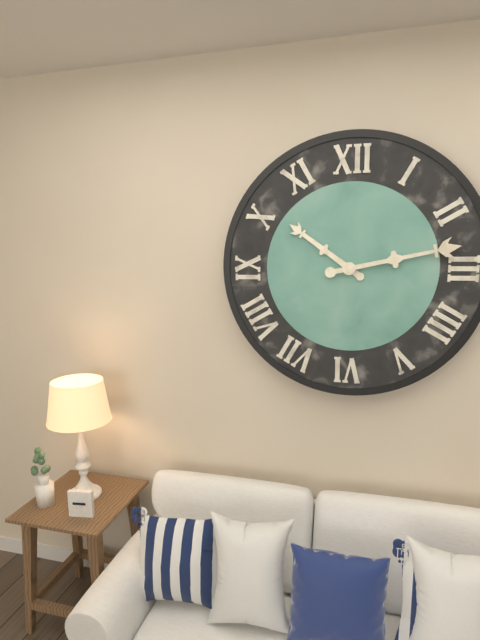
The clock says 10h13
